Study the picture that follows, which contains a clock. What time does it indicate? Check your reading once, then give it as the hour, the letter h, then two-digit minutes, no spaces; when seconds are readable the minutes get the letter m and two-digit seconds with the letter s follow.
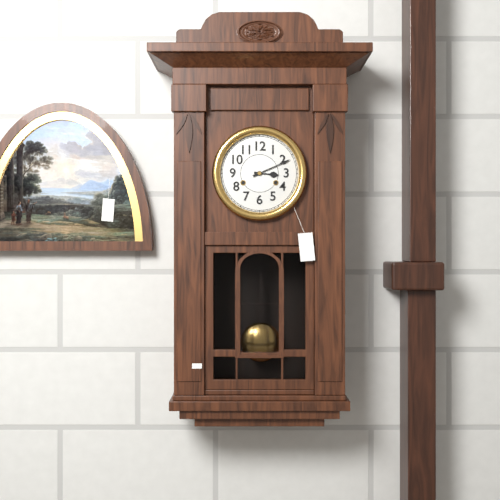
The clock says 3h11
